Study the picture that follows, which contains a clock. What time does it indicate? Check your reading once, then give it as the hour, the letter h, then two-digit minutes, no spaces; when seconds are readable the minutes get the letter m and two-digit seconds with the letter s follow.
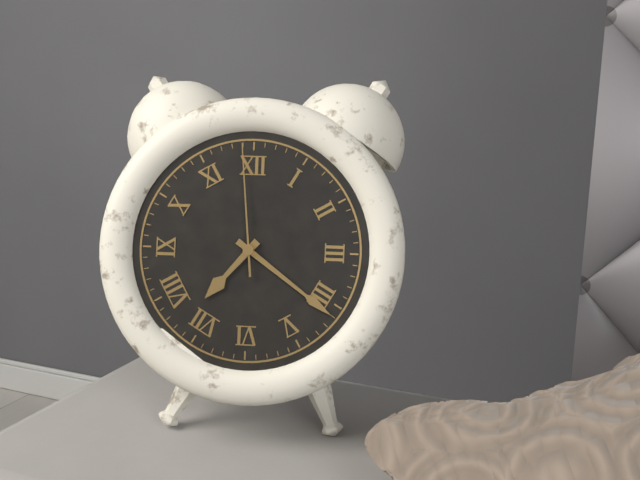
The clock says 7h21m59s
